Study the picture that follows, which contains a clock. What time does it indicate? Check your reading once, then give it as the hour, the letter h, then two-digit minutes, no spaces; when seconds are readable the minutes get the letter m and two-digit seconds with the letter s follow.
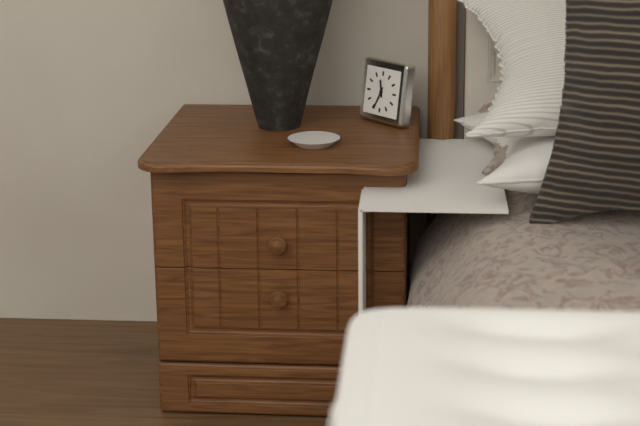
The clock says 11h34
